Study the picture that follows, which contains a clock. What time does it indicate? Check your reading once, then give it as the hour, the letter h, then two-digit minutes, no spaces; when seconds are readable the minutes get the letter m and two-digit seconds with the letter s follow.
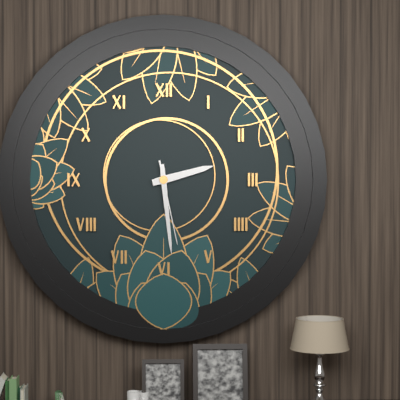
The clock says 2h29m28s
